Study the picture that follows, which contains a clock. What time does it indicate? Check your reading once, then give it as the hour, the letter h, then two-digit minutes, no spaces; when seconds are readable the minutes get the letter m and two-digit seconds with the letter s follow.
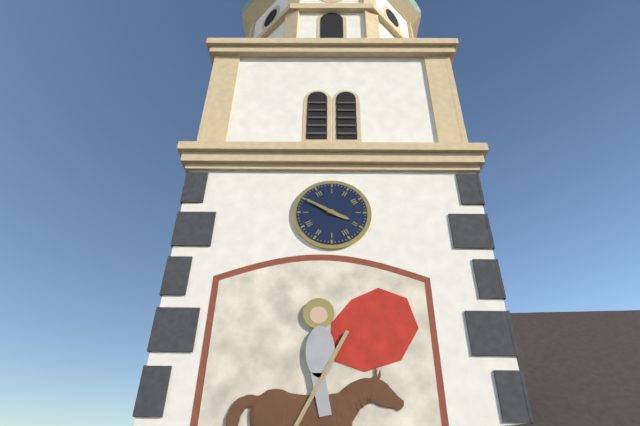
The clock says 3h50
